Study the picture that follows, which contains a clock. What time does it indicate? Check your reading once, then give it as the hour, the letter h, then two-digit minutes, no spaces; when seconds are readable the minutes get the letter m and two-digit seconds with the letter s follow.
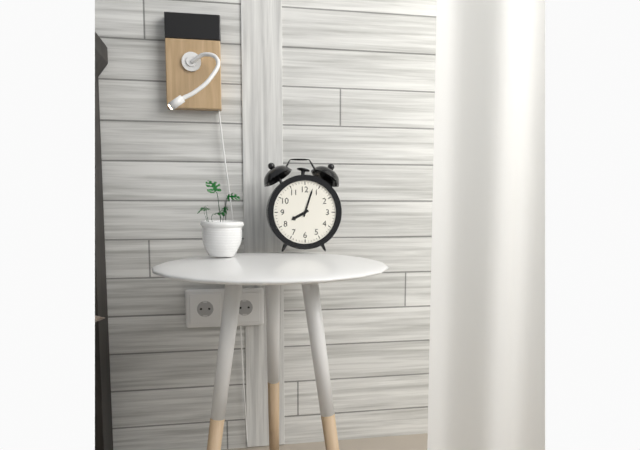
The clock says 8h03
